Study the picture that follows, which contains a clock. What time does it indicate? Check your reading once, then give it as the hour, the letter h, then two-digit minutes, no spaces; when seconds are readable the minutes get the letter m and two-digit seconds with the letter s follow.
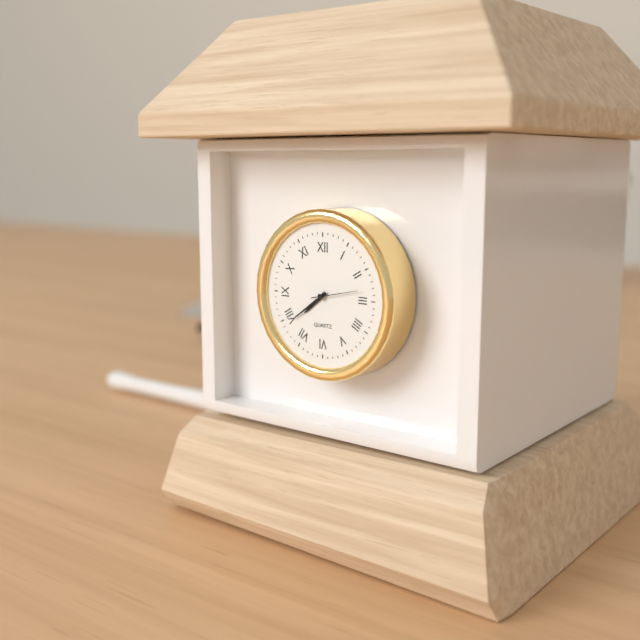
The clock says 7h39
